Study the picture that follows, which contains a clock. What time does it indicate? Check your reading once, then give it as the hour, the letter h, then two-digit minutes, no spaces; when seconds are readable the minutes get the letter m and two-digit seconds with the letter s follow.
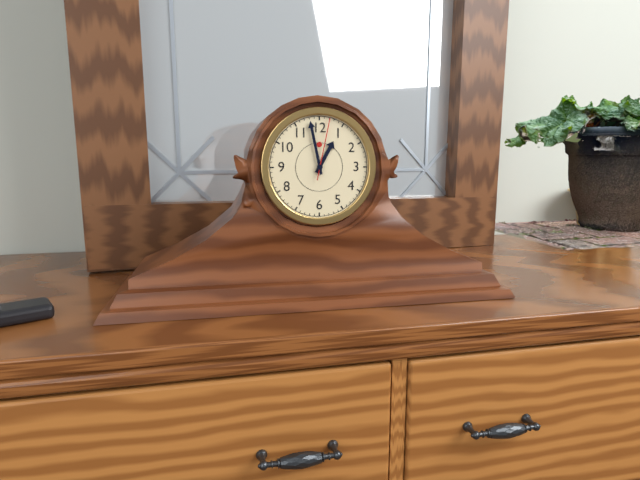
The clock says 12h58m02s
